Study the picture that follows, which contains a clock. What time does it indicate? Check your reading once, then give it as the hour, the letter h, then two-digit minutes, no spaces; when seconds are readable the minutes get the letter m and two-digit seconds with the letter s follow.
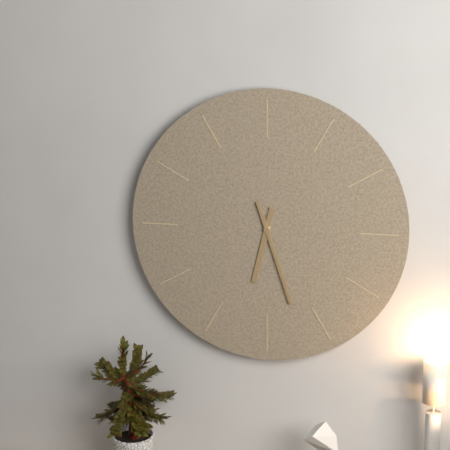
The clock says 6h27
